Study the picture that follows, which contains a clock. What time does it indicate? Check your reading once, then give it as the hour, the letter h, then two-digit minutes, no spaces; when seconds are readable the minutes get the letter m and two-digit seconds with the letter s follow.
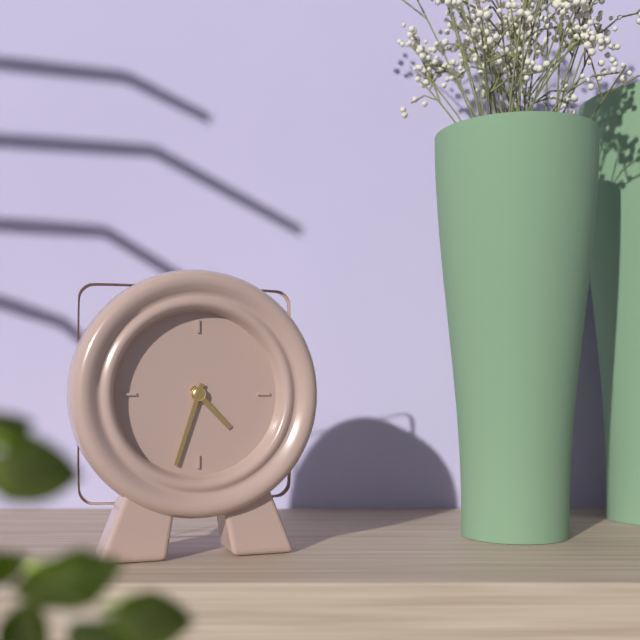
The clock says 4h33
